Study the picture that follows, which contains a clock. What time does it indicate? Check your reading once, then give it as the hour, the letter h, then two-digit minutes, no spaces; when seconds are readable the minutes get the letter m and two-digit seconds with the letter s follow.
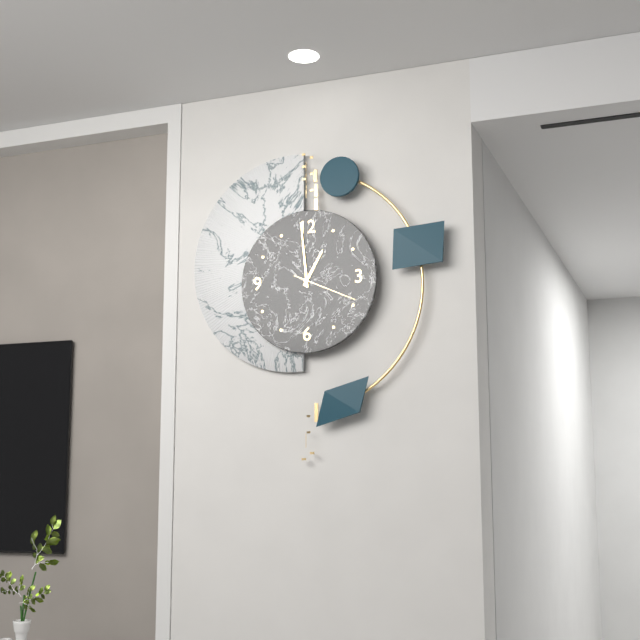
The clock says 12h59m19s
